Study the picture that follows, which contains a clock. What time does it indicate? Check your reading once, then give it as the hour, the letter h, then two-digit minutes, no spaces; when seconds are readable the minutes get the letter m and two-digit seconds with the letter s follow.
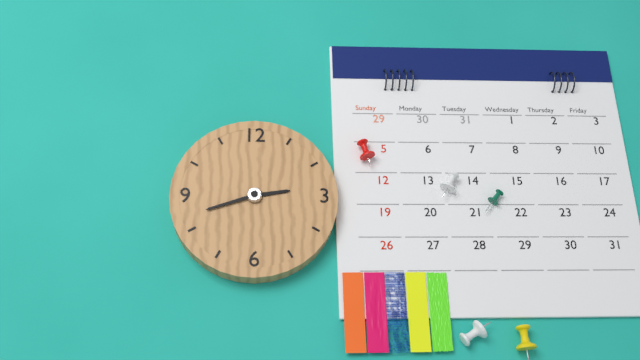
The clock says 2h42
